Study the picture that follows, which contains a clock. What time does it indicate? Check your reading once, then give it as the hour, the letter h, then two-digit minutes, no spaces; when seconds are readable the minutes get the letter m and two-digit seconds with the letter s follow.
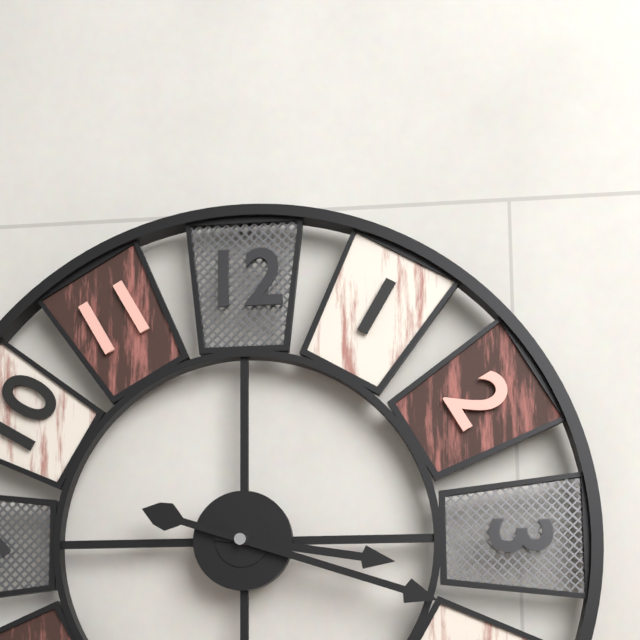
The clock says 3h18
